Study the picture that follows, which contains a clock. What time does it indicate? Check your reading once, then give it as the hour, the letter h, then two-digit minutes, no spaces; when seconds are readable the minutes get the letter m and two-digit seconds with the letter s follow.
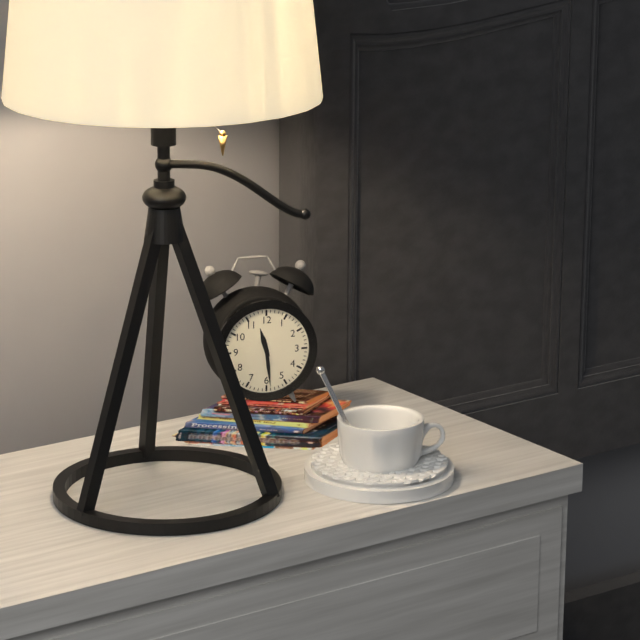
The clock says 11h29
